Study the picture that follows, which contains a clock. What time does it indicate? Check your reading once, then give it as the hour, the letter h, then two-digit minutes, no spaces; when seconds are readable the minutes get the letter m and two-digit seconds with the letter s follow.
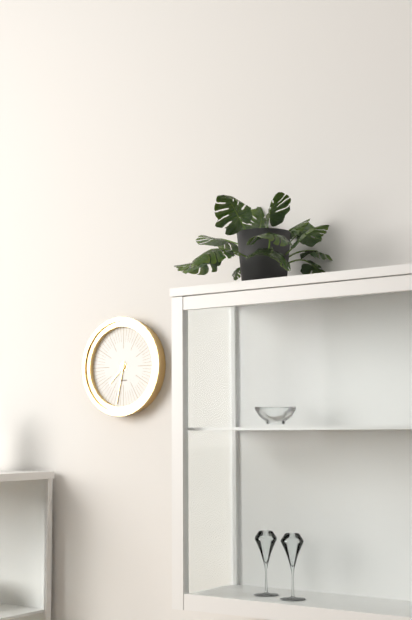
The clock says 7h32
